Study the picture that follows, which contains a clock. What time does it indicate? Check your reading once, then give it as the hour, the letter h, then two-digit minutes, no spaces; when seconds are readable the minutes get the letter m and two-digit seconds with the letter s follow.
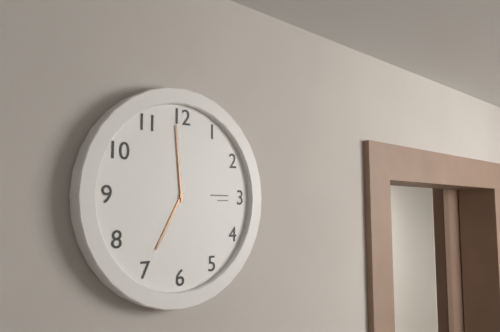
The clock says 6h59
